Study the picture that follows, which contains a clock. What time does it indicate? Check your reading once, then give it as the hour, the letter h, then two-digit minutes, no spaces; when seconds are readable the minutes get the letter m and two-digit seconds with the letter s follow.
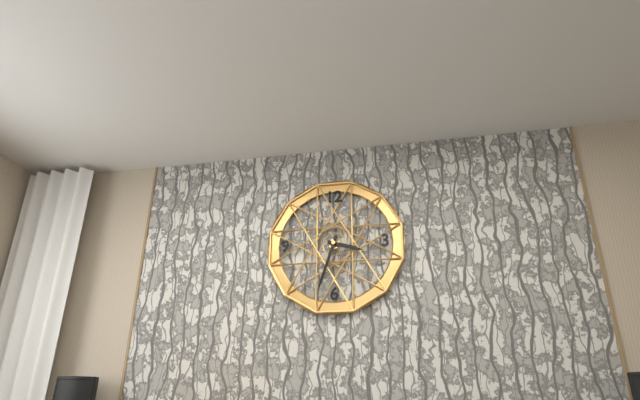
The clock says 3h33
